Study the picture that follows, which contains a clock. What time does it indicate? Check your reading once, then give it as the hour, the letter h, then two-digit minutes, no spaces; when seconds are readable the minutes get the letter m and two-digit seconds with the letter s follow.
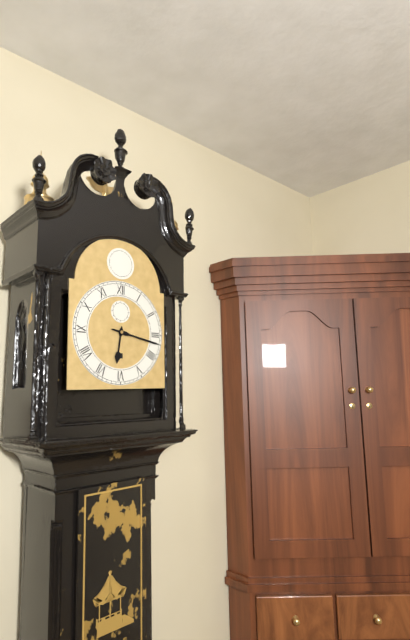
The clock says 6h17
